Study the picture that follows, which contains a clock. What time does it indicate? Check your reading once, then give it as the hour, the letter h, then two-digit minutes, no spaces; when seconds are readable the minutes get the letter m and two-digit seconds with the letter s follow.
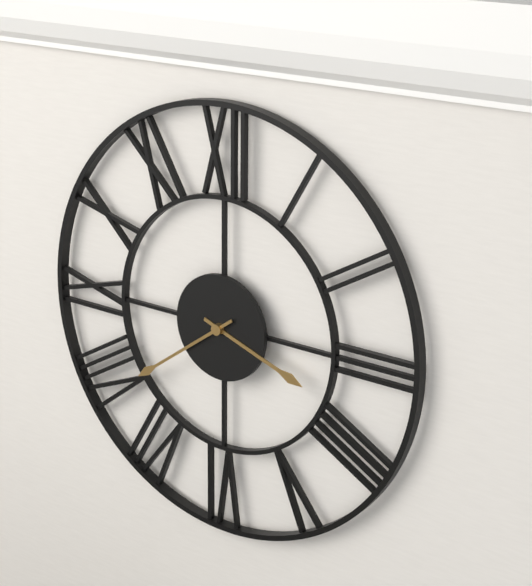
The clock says 3h39
